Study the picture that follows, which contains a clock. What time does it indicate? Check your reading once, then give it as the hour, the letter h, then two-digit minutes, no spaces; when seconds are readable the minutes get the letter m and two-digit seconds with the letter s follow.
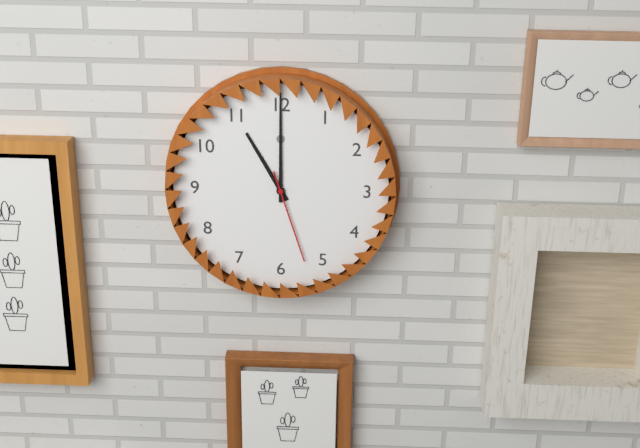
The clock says 11h00m27s
